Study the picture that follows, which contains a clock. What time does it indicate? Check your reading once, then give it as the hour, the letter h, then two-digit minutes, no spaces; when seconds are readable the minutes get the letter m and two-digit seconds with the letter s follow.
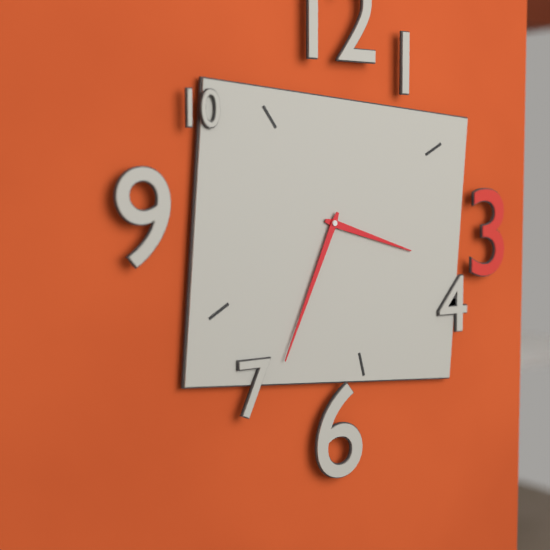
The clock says 3h34
